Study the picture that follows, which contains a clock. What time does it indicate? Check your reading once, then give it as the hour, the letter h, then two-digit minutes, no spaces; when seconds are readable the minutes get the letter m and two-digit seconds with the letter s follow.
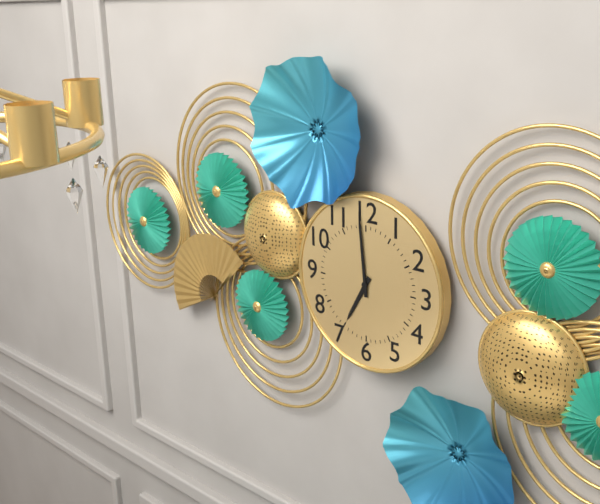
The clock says 6h59
